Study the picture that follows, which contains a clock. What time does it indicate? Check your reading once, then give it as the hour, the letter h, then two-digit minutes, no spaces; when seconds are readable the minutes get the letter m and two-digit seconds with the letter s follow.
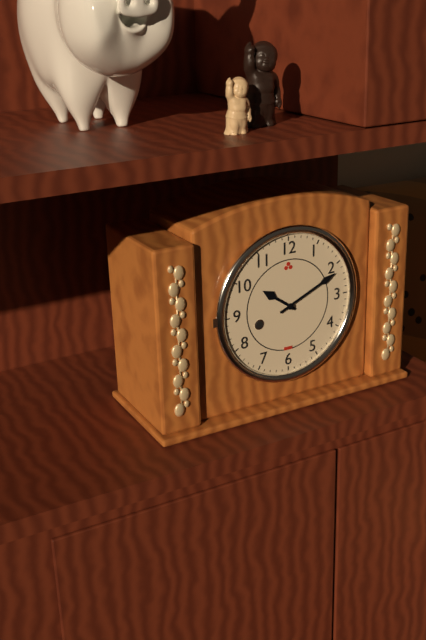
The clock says 10h11
